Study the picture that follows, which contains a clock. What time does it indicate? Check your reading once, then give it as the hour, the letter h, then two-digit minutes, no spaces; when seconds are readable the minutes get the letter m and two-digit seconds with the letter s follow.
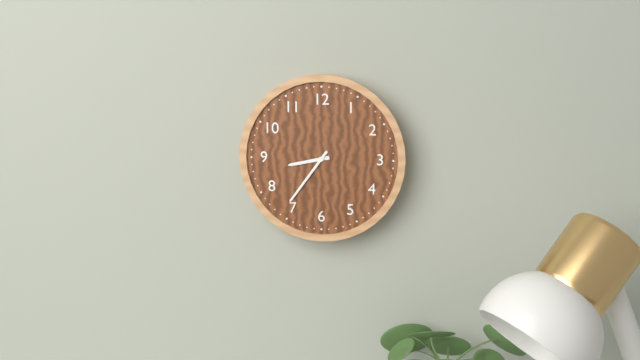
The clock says 8h36
